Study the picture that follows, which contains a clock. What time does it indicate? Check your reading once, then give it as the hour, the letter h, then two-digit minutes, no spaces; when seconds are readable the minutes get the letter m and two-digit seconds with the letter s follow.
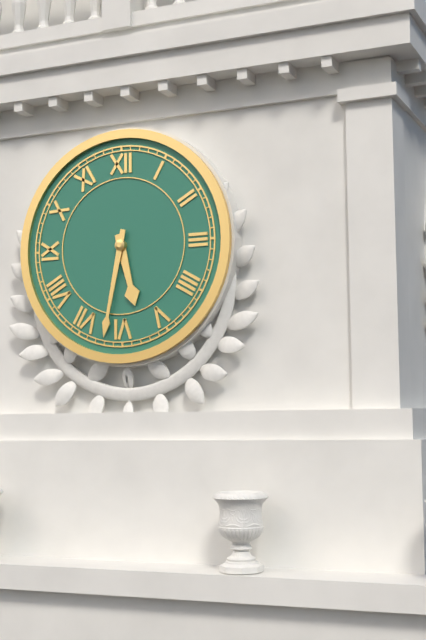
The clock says 5h32
